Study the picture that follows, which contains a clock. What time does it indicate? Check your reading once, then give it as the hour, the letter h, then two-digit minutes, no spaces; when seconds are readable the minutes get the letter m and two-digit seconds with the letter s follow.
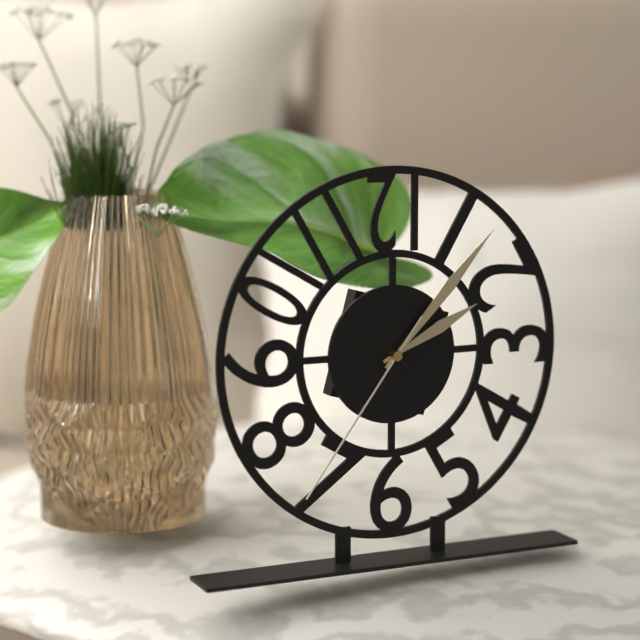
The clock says 2h07m36s
